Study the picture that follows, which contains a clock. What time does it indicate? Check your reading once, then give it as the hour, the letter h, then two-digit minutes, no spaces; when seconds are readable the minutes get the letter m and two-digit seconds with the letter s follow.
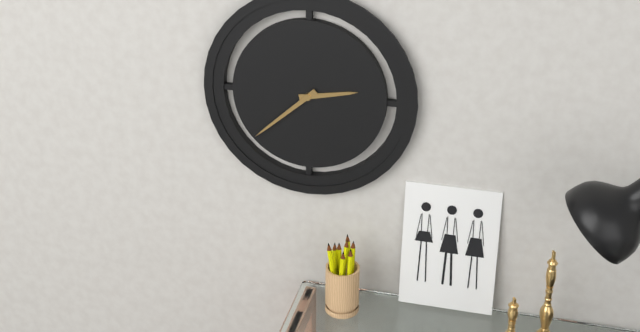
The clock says 2h38
